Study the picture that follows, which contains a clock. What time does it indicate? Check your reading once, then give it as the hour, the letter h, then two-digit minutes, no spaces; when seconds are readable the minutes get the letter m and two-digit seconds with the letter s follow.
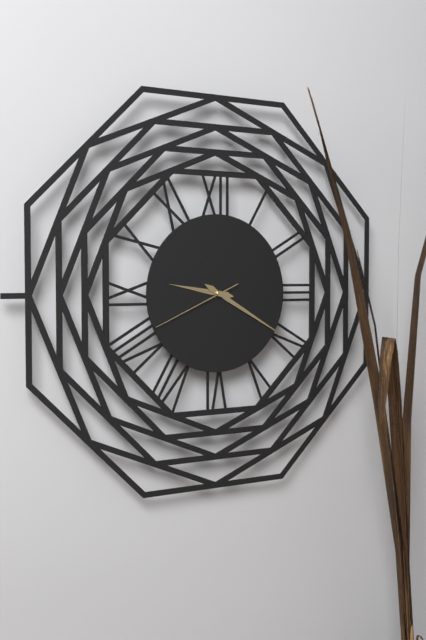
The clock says 9h20m41s
